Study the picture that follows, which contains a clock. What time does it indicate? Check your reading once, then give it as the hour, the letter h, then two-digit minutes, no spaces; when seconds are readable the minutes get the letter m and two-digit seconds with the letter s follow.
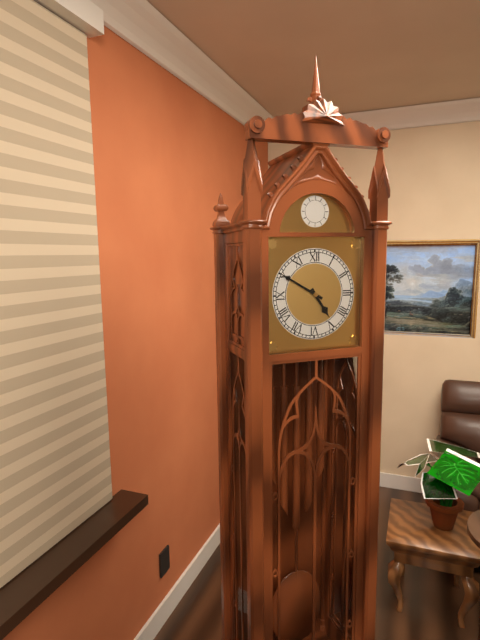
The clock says 4h50
